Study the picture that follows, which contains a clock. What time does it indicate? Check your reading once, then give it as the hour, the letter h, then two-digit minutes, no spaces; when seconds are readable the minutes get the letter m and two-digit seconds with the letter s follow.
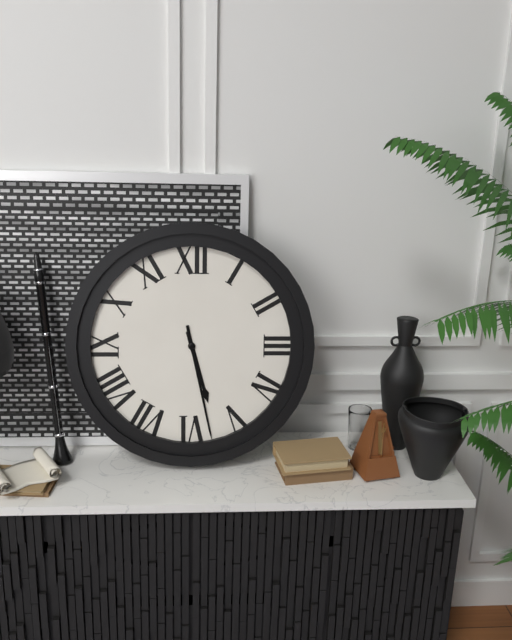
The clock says 5h28
